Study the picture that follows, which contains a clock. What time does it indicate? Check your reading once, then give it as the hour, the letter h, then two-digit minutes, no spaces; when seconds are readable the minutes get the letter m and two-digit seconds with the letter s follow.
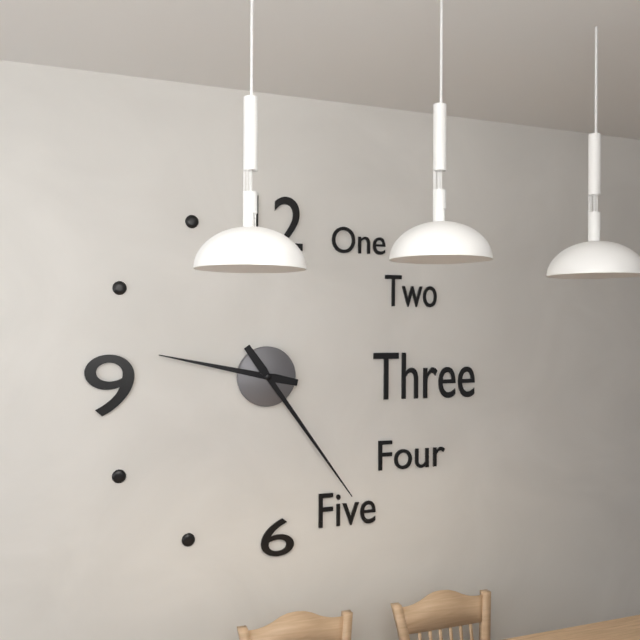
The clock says 9h24
